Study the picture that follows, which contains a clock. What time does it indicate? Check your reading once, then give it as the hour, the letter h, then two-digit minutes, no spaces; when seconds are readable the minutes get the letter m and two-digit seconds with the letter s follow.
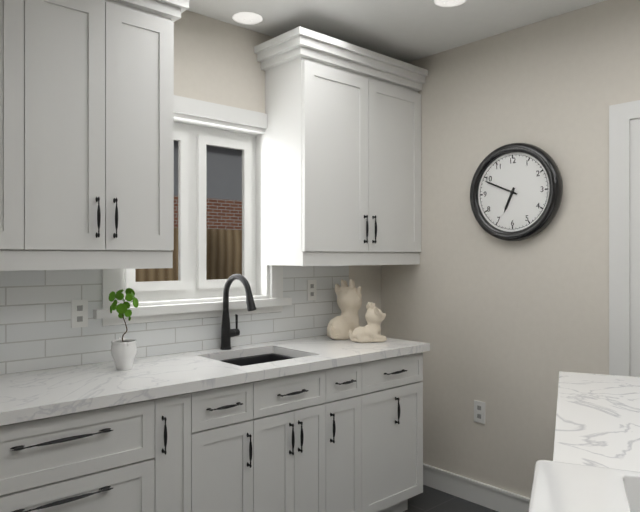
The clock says 6h49
